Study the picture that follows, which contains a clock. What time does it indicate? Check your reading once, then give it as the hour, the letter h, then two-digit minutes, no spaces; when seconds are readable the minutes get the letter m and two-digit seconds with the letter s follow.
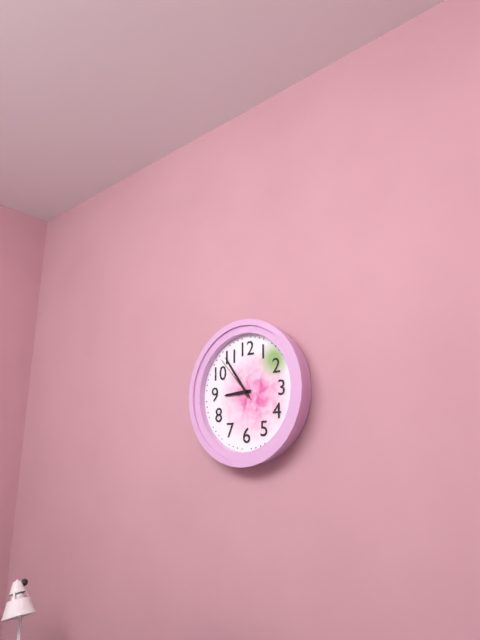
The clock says 8h54m53s
